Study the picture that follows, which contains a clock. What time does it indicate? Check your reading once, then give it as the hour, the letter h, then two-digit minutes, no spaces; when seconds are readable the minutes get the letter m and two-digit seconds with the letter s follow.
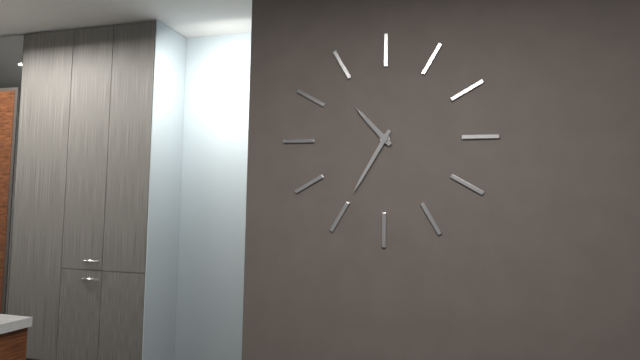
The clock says 10h35
